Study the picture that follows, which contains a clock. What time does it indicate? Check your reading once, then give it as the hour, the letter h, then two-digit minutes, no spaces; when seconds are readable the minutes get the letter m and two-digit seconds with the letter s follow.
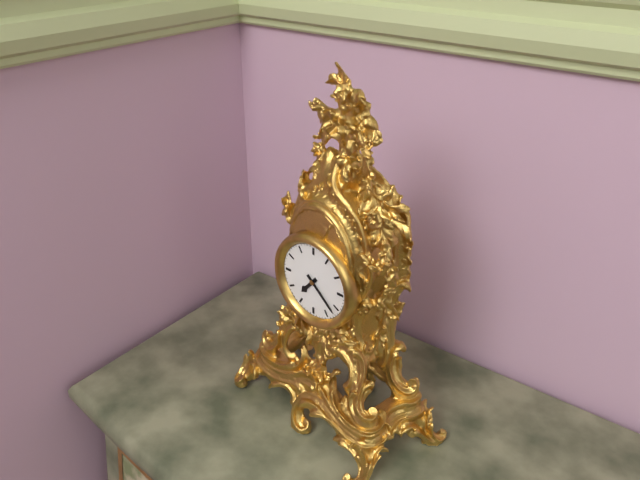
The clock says 7h22
